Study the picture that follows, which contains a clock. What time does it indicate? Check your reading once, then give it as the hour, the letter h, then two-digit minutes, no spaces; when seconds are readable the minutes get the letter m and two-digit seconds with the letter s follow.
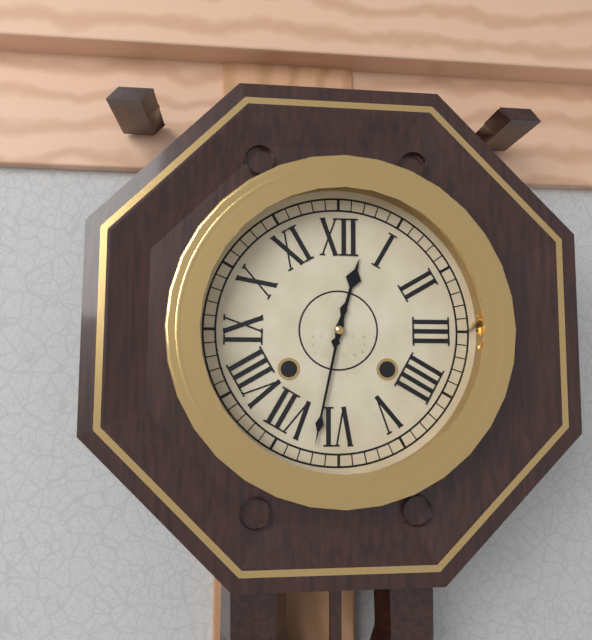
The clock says 12h32
